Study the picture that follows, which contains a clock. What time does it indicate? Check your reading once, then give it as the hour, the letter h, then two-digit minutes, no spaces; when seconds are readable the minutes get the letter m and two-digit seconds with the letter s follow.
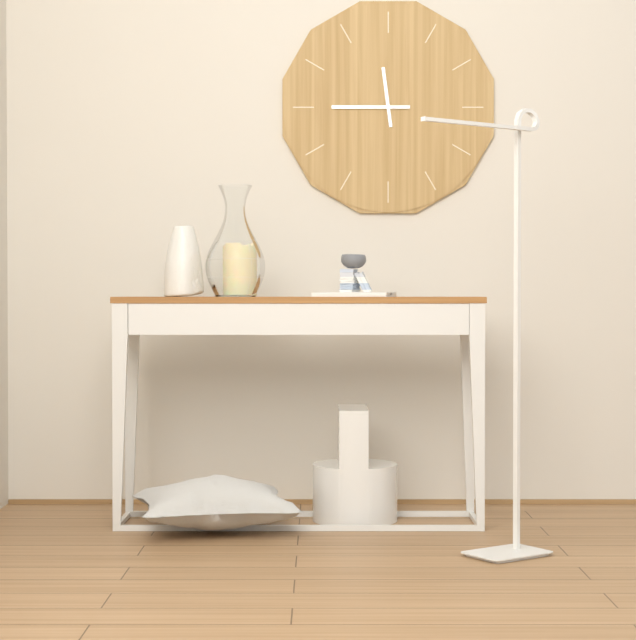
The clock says 11h45
